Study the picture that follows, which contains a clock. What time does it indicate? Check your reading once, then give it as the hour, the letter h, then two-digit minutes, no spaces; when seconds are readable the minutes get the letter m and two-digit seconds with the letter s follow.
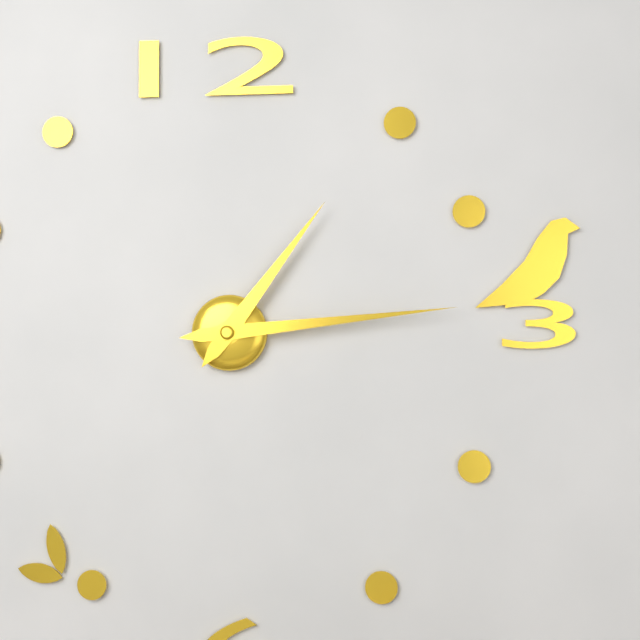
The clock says 1h14
